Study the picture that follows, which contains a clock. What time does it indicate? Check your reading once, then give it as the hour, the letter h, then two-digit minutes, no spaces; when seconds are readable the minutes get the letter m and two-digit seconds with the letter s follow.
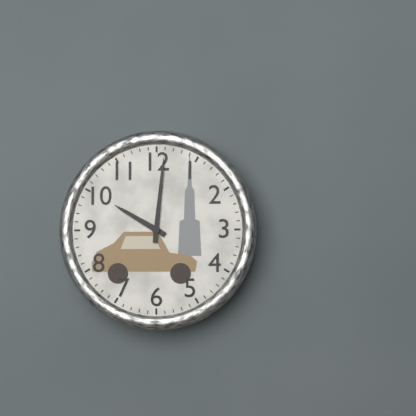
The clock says 10h01
